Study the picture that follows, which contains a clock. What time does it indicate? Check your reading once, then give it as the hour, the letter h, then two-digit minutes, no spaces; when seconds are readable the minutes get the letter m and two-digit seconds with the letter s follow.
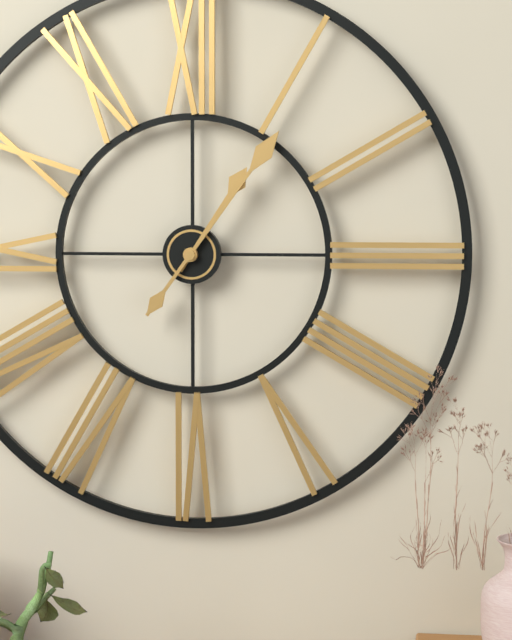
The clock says 1h06
